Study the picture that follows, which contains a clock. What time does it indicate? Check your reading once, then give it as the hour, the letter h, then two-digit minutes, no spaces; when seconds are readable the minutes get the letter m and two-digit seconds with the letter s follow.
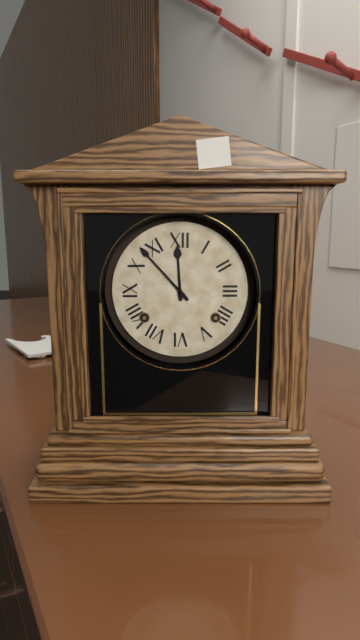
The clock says 11h53
